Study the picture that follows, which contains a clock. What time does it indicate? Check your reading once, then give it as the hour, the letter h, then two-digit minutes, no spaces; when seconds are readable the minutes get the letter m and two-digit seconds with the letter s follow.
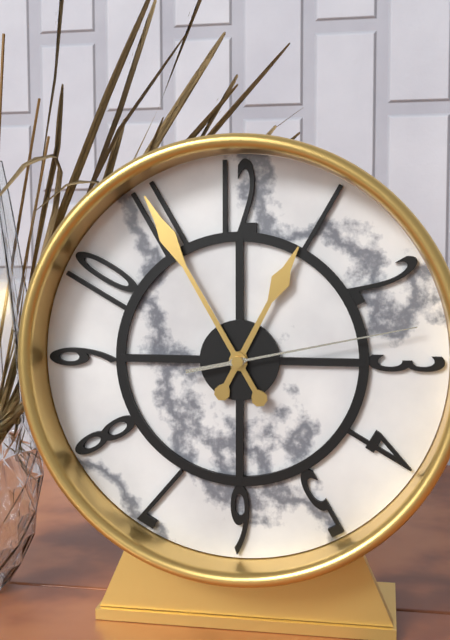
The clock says 12h55m13s
